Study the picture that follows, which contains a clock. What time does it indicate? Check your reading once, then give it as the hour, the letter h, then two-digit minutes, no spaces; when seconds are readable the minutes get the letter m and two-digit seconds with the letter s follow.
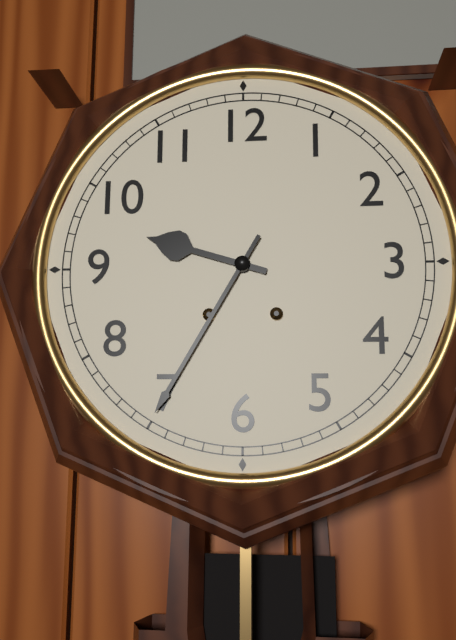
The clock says 9h35
